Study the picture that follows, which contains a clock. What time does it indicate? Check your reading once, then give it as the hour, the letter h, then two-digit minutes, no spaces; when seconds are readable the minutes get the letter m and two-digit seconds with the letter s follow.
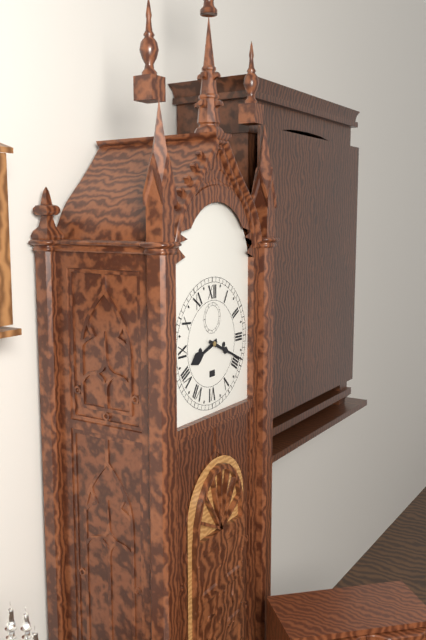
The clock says 8h19
